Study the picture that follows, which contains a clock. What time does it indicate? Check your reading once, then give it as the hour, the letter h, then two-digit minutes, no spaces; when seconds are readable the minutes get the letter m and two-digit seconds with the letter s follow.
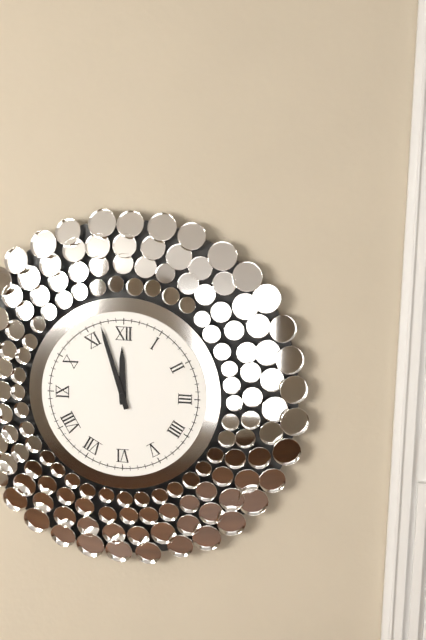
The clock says 11h57
